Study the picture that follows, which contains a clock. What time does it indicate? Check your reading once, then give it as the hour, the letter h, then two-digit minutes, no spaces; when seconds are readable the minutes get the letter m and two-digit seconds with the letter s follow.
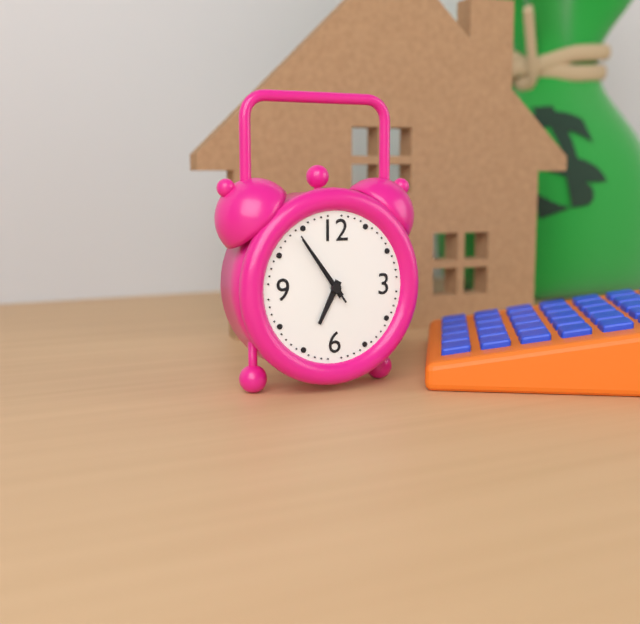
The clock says 6h54m54s
